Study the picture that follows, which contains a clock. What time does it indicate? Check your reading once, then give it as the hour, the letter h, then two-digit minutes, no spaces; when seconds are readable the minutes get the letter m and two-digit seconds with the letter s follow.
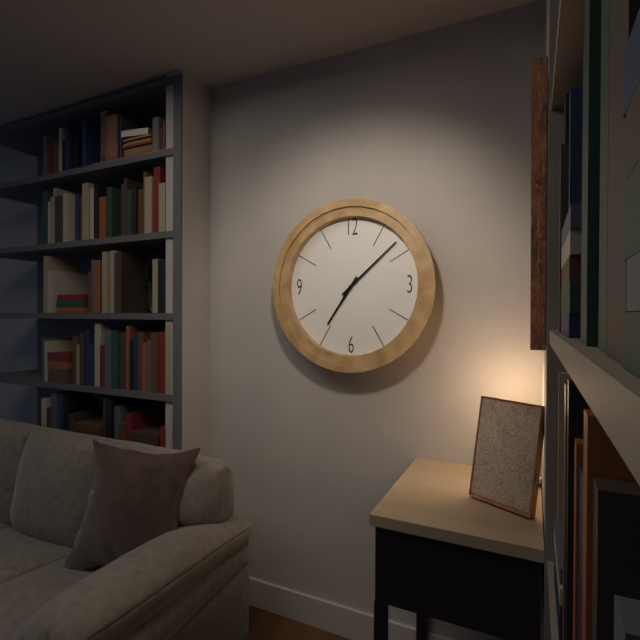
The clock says 7h08
